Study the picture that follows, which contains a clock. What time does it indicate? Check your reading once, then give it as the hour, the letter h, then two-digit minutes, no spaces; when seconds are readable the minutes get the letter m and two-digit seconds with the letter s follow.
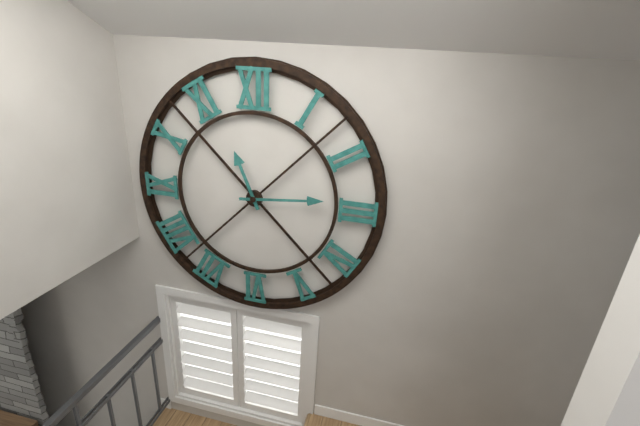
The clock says 11h14
